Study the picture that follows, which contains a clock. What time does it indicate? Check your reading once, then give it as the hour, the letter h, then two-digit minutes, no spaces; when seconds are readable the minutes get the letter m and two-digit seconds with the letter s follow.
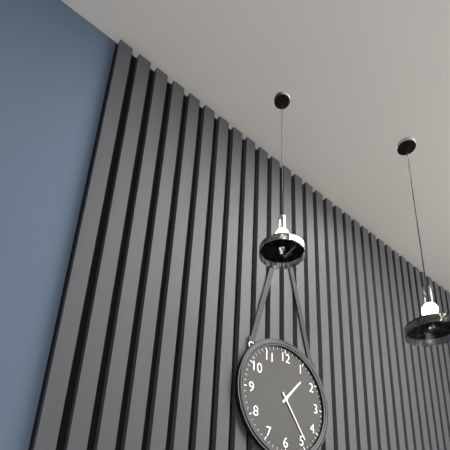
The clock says 1h24
